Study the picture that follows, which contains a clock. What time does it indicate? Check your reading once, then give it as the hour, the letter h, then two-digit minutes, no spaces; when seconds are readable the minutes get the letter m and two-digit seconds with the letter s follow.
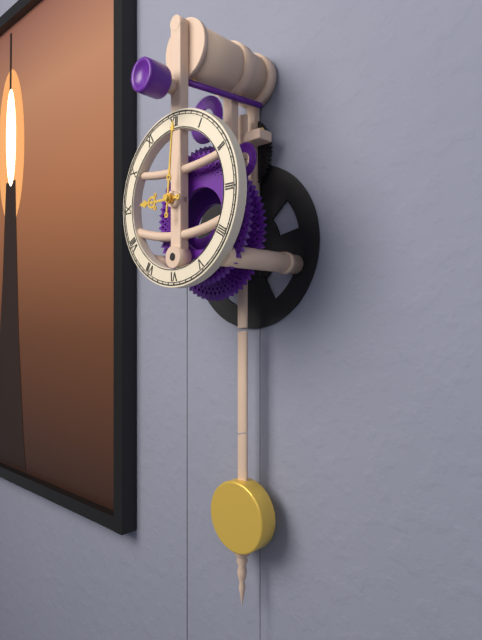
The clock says 9h01
